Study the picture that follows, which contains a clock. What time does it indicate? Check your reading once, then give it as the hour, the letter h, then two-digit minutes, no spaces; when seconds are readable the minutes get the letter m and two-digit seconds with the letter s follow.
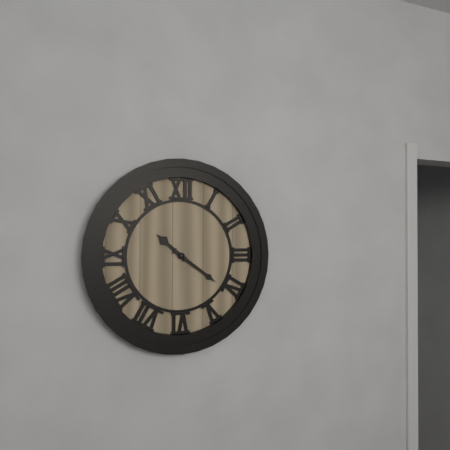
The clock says 10h21
